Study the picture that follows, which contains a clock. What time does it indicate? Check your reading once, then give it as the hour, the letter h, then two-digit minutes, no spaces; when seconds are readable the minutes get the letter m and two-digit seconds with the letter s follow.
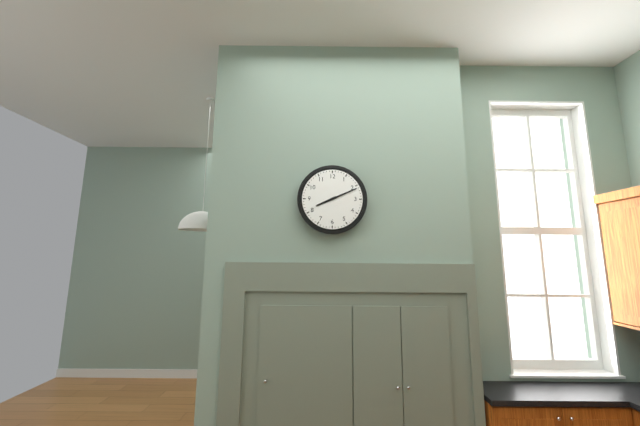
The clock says 8h11
